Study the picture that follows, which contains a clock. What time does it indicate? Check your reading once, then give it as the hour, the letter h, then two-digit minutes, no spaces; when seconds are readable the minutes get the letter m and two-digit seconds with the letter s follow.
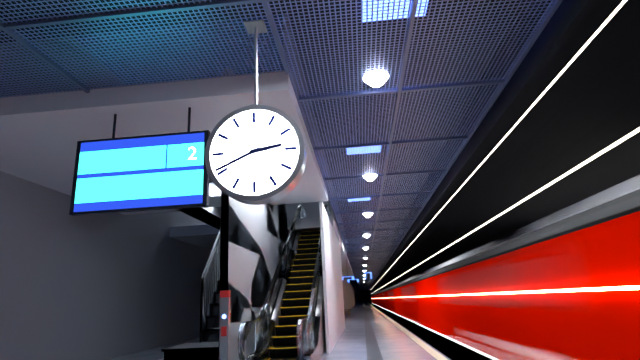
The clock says 2h41
